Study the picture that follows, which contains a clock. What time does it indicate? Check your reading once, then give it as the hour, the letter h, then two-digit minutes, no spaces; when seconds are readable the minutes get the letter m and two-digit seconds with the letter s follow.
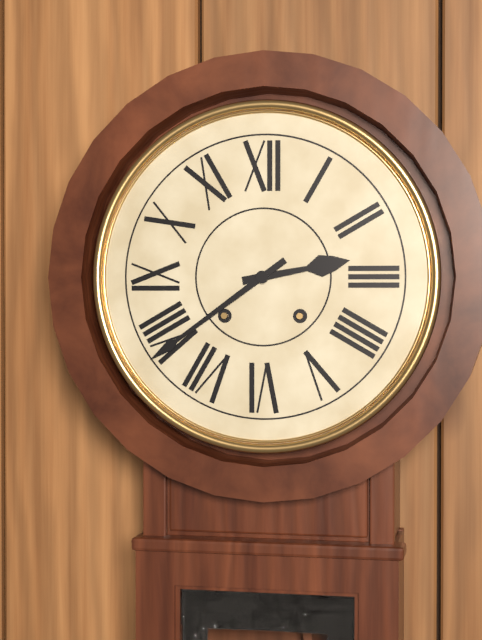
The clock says 2h39
